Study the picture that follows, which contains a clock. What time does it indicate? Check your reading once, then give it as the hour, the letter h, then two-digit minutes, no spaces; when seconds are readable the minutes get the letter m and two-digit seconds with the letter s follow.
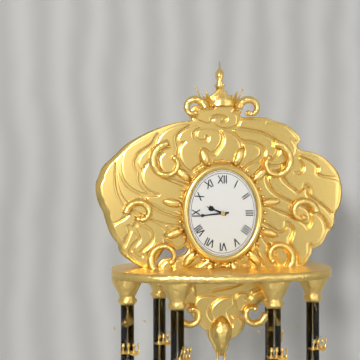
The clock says 9h44
